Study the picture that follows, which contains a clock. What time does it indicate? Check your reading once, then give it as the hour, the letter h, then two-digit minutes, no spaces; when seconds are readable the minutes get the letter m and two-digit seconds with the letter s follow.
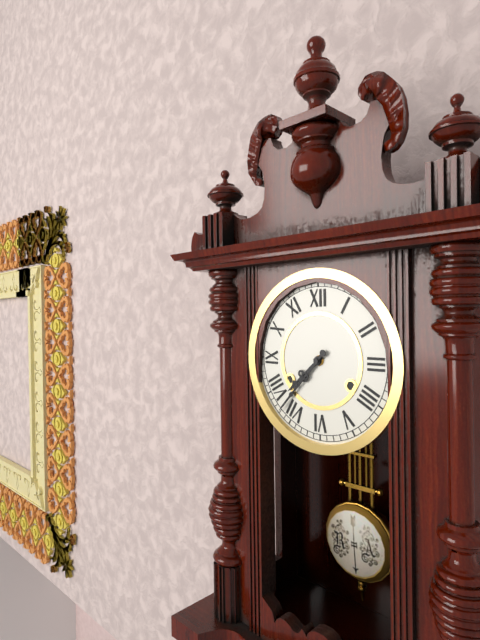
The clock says 7h37
